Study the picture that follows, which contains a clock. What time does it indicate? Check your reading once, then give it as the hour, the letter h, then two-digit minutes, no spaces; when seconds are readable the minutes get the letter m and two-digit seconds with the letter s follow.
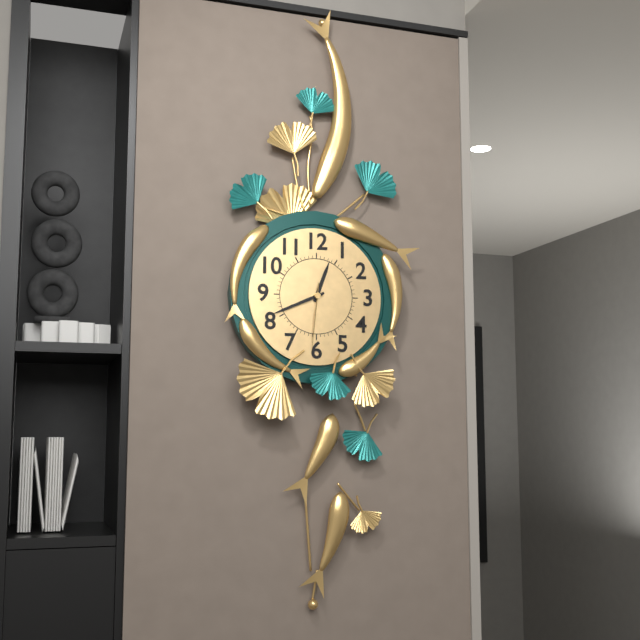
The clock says 12h41m31s
